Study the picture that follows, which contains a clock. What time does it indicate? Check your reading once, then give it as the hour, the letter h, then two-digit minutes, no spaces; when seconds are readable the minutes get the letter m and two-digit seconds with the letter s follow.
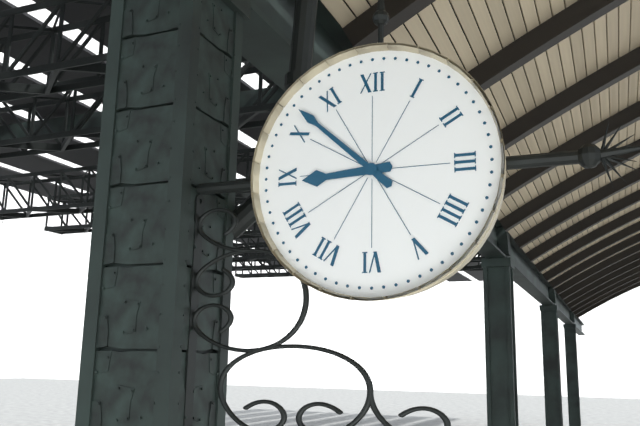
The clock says 8h52
